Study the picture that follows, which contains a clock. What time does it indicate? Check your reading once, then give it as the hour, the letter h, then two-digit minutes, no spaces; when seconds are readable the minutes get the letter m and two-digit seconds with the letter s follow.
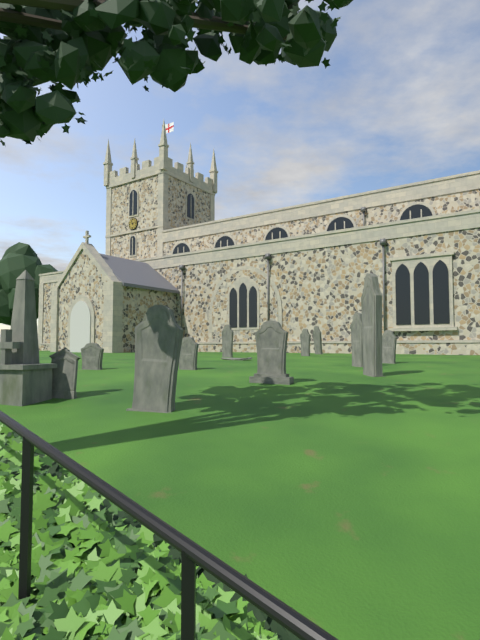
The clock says 11h13
